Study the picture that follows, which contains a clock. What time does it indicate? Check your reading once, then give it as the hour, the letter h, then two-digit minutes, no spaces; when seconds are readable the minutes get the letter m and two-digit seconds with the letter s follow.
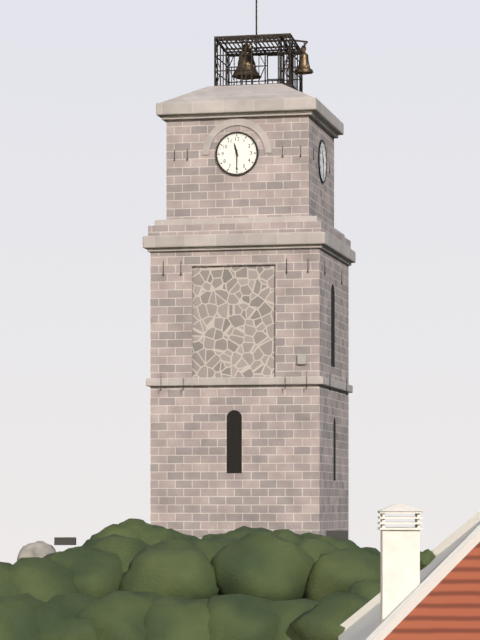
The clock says 11h30
